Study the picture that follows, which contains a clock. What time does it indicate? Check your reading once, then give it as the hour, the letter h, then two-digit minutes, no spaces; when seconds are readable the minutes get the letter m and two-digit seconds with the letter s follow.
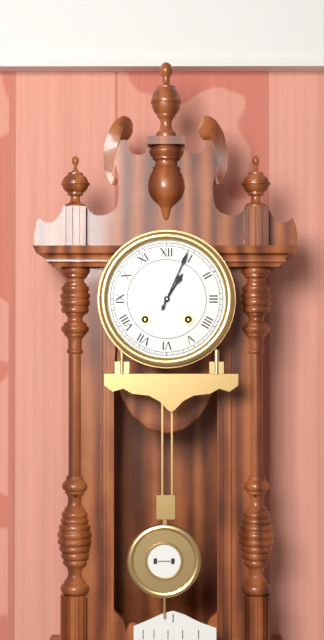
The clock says 1h04
